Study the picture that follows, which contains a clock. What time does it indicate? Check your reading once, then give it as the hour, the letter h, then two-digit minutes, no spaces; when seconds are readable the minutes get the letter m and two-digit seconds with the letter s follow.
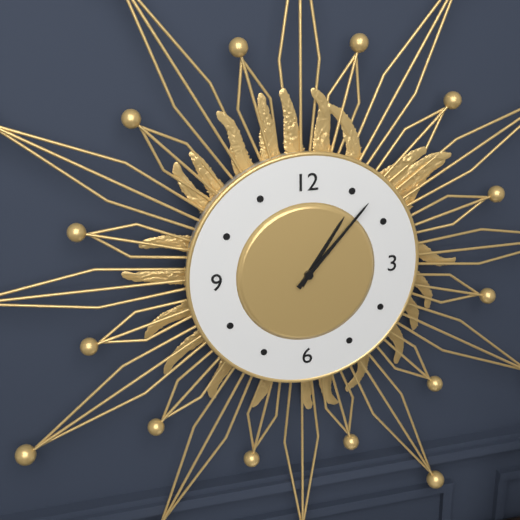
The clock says 1h07
